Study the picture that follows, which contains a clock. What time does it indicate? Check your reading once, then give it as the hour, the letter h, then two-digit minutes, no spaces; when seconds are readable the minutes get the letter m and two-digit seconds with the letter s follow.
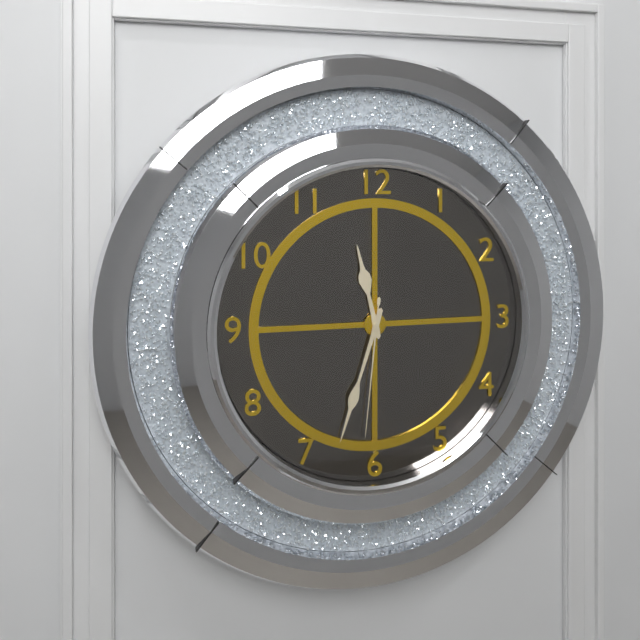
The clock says 11h33m31s
